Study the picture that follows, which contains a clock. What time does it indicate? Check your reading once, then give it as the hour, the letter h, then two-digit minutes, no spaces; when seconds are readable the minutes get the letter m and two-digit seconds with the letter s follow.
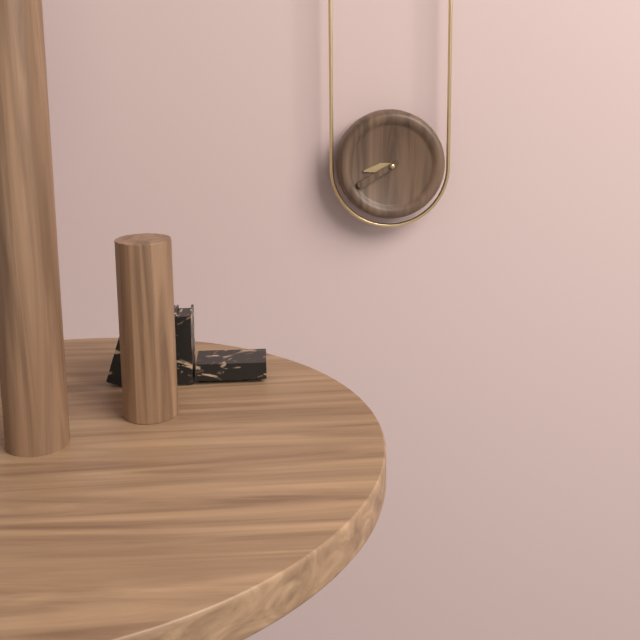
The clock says 8h40
